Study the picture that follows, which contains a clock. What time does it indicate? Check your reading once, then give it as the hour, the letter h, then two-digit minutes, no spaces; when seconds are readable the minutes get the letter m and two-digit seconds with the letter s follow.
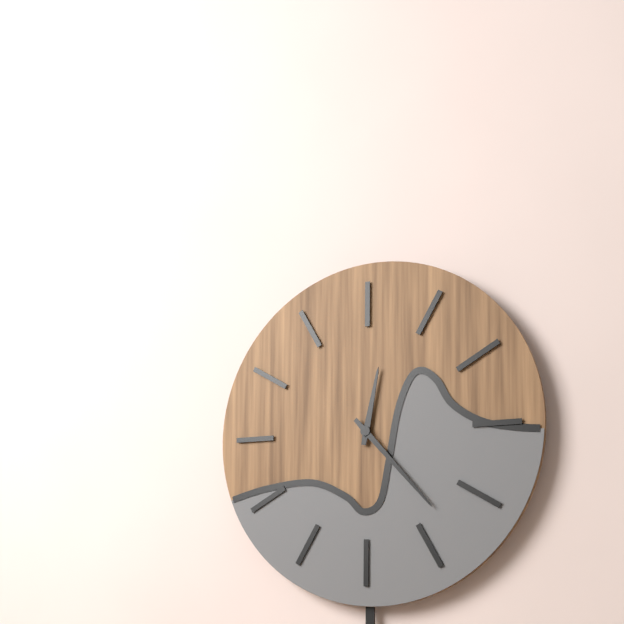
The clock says 12h23
